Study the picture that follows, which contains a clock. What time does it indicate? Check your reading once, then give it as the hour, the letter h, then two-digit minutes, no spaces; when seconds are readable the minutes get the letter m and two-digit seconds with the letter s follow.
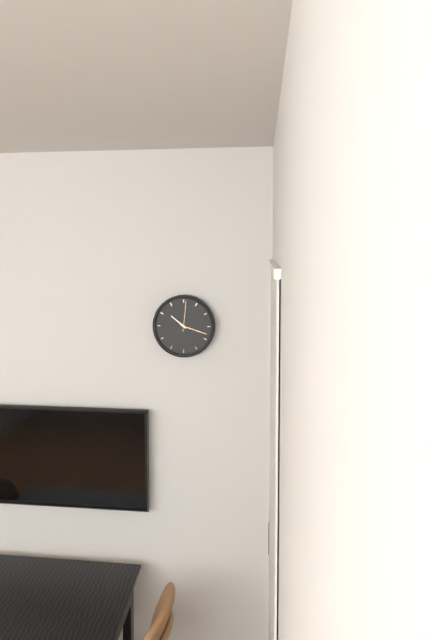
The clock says 10h18
